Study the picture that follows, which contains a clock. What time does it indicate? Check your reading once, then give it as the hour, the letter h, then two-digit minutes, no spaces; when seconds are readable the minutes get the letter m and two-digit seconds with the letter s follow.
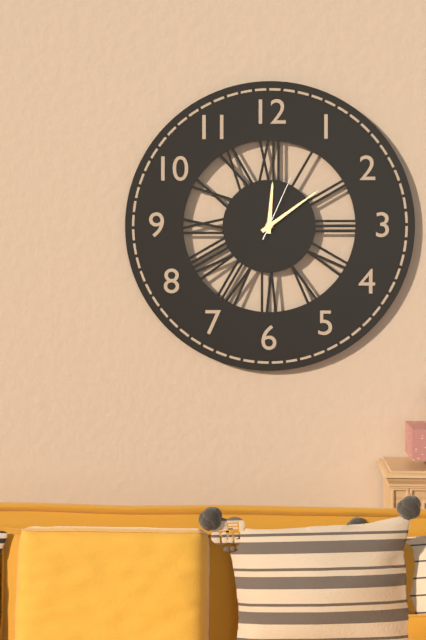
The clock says 12h09m04s
